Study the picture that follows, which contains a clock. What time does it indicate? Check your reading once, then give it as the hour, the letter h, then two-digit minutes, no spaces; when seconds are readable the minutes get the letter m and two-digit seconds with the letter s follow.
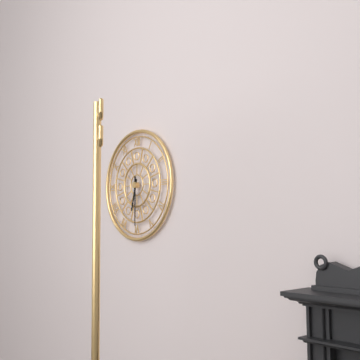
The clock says 6h30
